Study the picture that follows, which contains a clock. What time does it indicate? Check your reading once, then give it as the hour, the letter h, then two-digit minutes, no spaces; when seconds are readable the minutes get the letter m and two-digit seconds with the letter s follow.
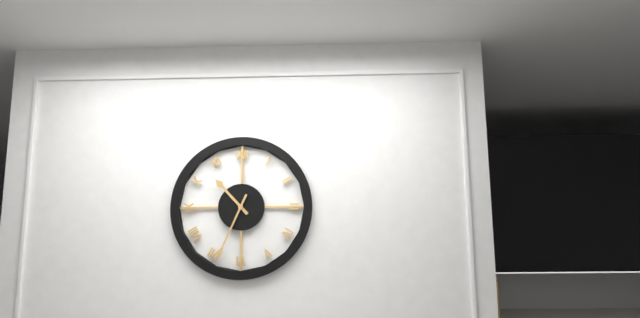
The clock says 10h34
